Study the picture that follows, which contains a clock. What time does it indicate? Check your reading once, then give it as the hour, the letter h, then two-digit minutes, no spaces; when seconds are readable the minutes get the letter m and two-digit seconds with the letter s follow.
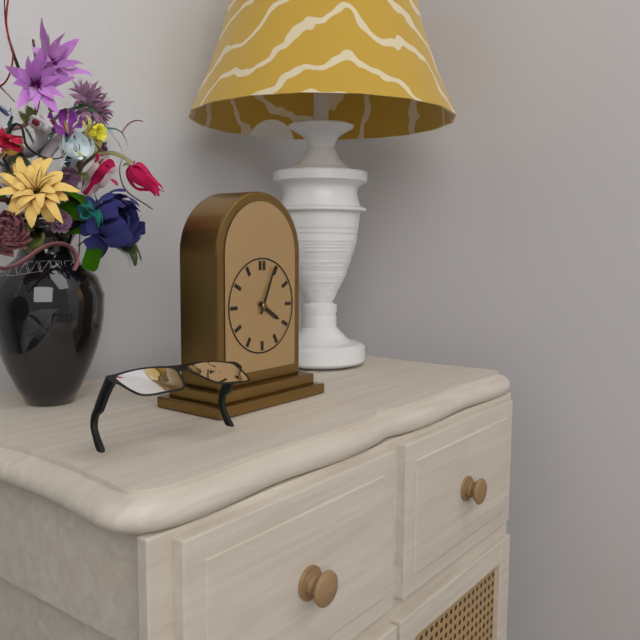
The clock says 4h04
